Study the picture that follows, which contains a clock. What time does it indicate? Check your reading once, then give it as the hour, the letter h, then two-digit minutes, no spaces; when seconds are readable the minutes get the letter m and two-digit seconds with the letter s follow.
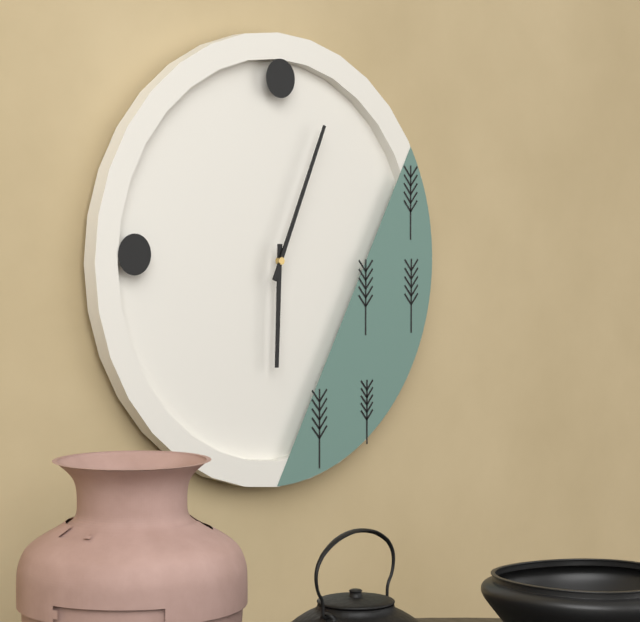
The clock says 6h04
